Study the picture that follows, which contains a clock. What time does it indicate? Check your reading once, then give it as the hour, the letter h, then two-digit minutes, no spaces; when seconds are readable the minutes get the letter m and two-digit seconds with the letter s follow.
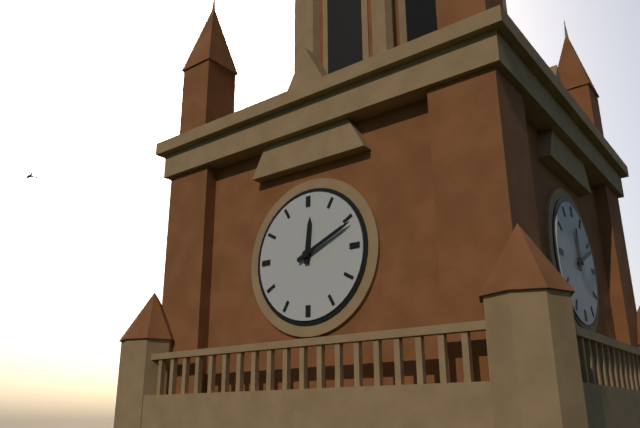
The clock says 12h11
